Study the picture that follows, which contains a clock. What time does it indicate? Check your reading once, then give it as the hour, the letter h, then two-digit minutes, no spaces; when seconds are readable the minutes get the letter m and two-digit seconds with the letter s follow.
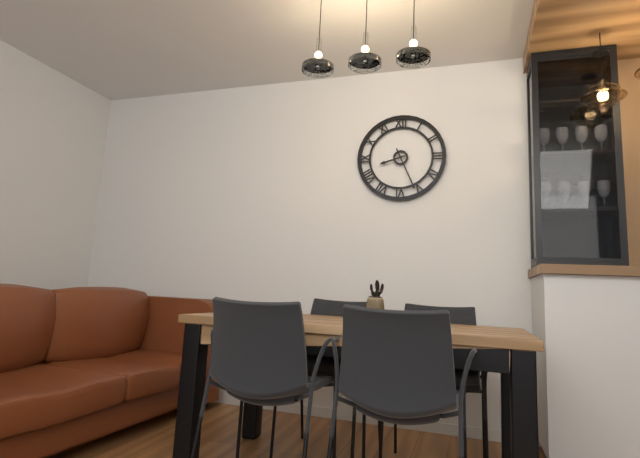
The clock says 8h26
